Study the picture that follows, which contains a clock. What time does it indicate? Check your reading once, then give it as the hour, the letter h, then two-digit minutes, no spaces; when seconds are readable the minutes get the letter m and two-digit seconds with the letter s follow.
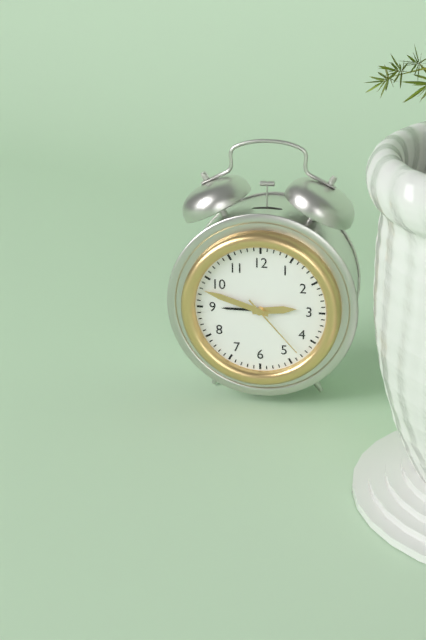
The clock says 2h48m23s
